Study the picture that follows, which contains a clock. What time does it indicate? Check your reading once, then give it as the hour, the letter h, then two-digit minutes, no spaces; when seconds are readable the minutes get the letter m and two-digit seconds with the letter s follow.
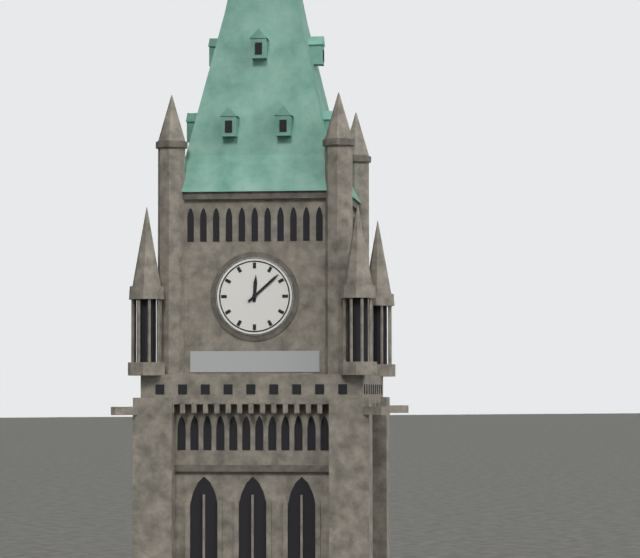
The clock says 12h08
